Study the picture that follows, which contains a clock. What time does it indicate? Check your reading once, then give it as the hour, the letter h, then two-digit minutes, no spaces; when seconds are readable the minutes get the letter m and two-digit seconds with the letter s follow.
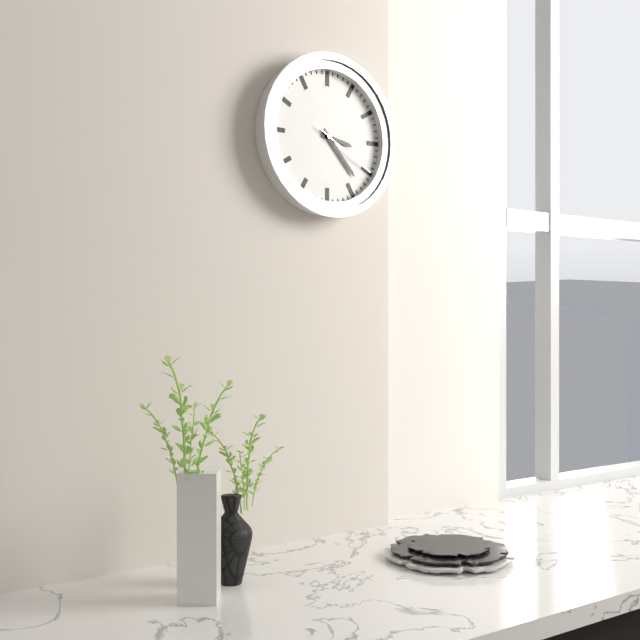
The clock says 3h23m20s
